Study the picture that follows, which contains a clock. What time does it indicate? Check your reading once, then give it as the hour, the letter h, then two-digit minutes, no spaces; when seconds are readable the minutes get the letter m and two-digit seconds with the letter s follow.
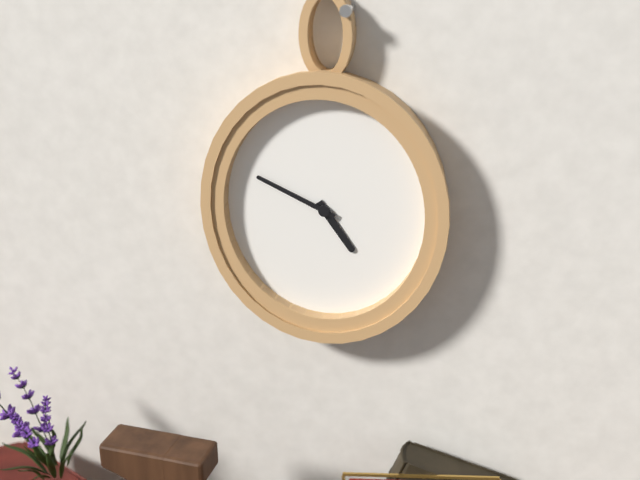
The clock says 4h49
